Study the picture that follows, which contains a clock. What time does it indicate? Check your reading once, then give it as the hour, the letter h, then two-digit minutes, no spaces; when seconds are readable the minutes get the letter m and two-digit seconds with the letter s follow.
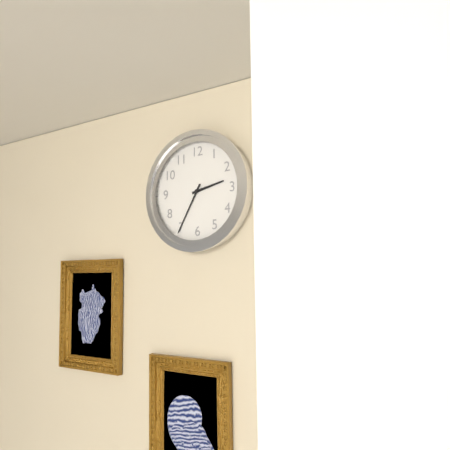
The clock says 2h35
